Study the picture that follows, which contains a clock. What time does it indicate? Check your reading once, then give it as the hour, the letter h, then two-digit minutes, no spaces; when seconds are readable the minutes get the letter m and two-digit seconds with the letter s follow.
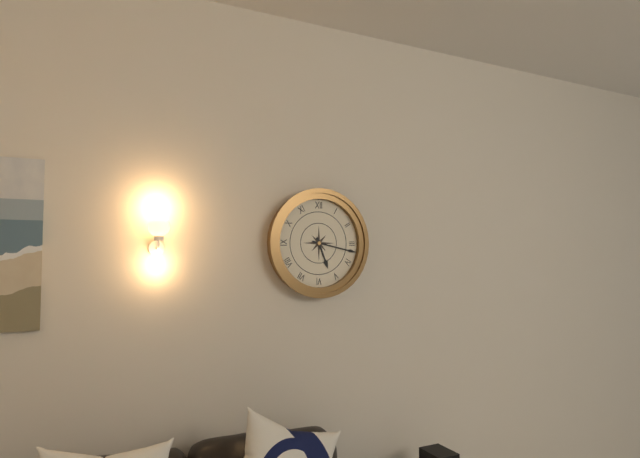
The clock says 5h17
